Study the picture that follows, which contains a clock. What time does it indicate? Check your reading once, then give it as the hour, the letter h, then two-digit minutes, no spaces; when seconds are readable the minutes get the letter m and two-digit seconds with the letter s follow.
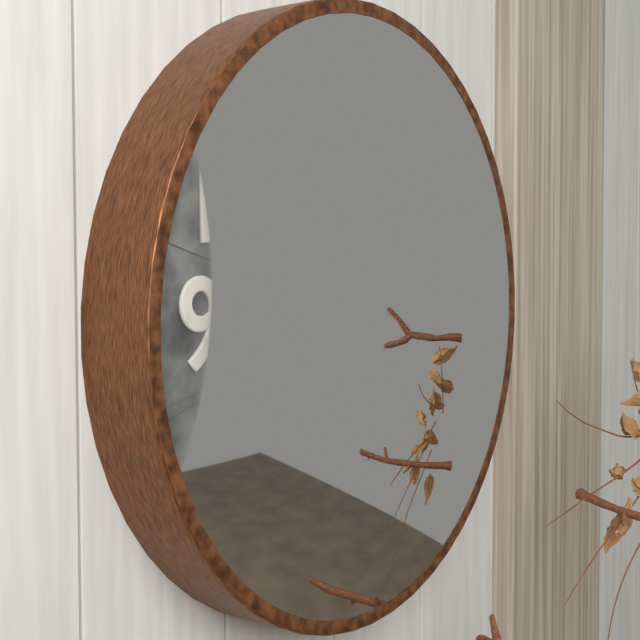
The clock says 3h16
